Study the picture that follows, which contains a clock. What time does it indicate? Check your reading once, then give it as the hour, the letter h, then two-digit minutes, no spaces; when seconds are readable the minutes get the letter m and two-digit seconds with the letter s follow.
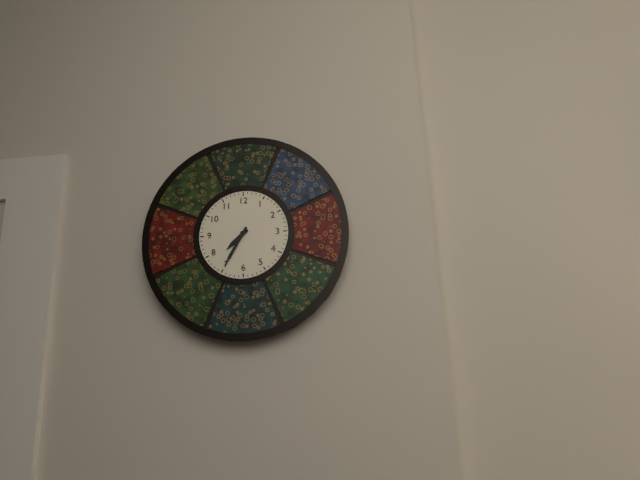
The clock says 7h35
